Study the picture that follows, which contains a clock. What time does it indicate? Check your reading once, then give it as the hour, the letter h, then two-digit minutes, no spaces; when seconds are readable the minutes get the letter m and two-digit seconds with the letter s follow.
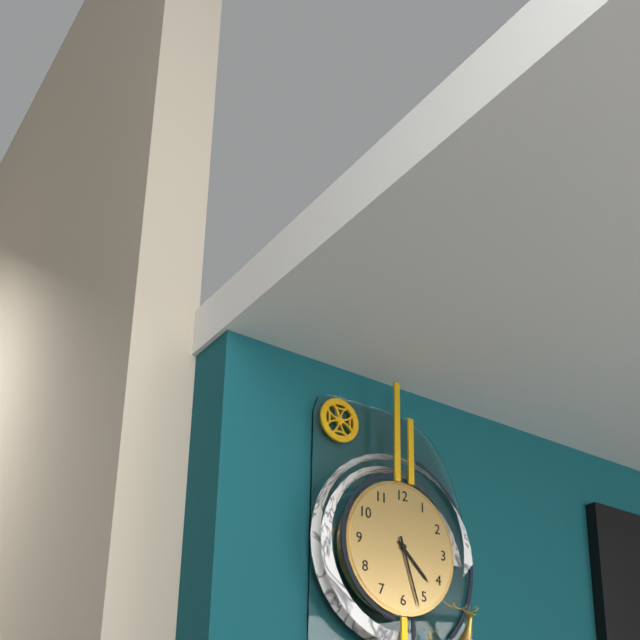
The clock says 4h27
